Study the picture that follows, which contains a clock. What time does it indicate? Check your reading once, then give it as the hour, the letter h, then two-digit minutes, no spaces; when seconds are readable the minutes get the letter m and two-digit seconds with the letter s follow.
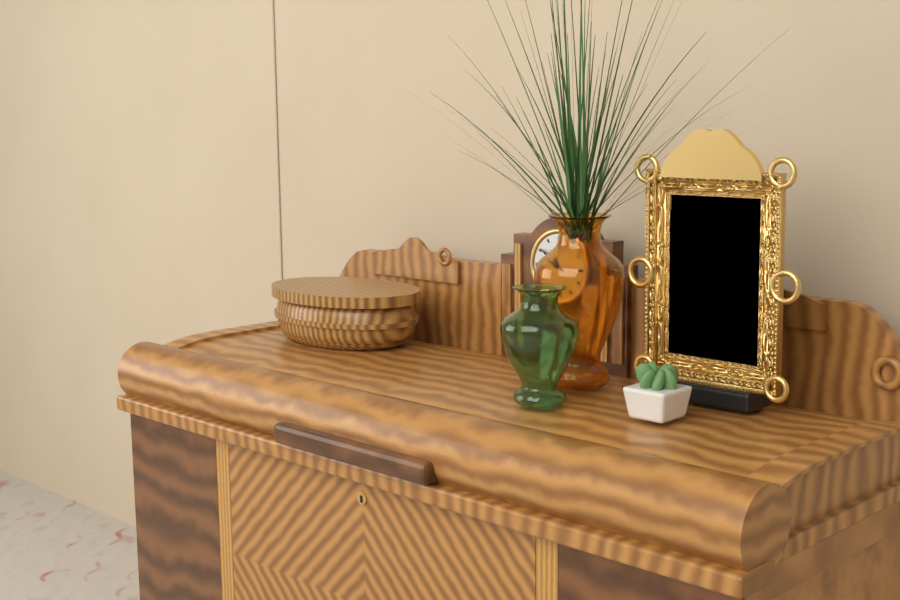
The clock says 10h51
